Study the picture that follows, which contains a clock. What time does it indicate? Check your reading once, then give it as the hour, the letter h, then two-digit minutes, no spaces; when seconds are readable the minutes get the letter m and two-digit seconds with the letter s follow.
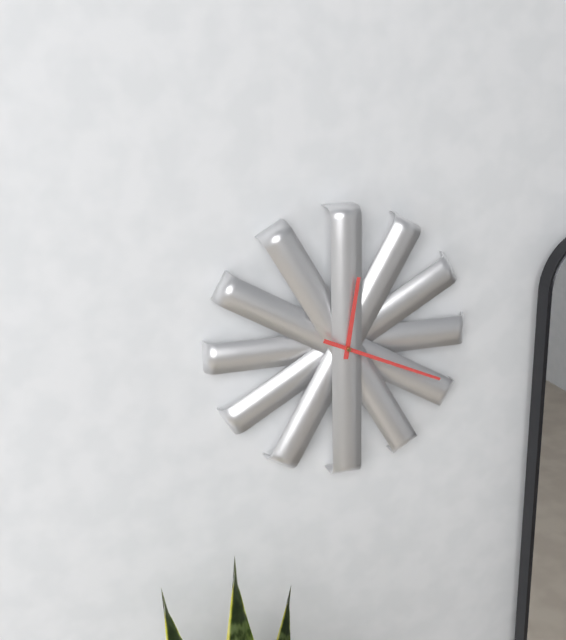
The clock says 12h19
